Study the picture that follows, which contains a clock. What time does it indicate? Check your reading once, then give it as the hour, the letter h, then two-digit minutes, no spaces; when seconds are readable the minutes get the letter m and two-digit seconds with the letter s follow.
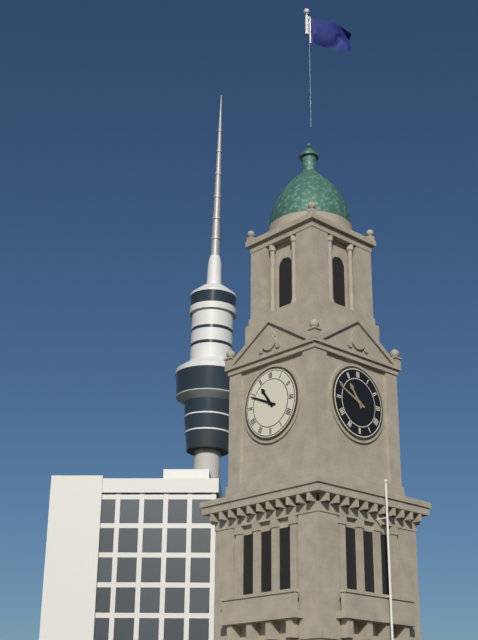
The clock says 10h49
